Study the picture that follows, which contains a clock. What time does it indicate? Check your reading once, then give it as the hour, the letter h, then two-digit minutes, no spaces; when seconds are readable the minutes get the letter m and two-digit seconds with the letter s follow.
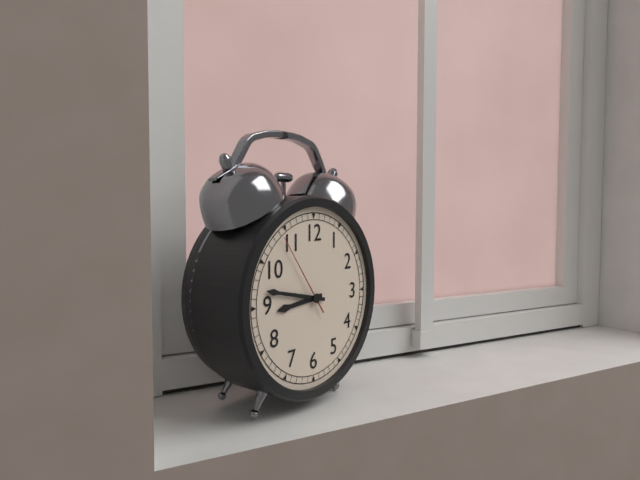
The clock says 8h47m54s
